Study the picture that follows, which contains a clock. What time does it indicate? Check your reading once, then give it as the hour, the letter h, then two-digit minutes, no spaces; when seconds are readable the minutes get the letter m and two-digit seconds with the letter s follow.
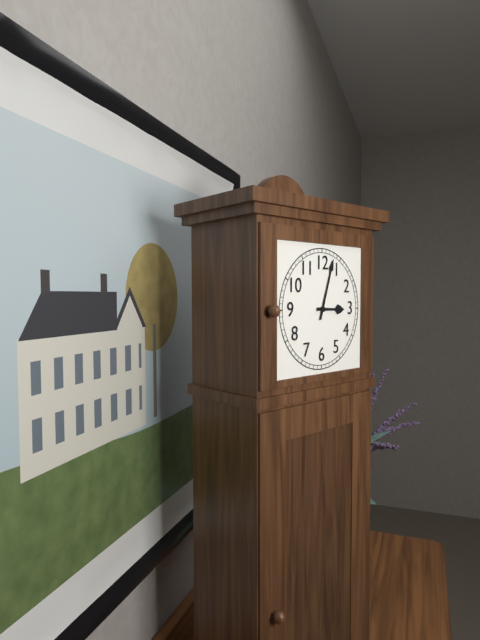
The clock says 3h03
